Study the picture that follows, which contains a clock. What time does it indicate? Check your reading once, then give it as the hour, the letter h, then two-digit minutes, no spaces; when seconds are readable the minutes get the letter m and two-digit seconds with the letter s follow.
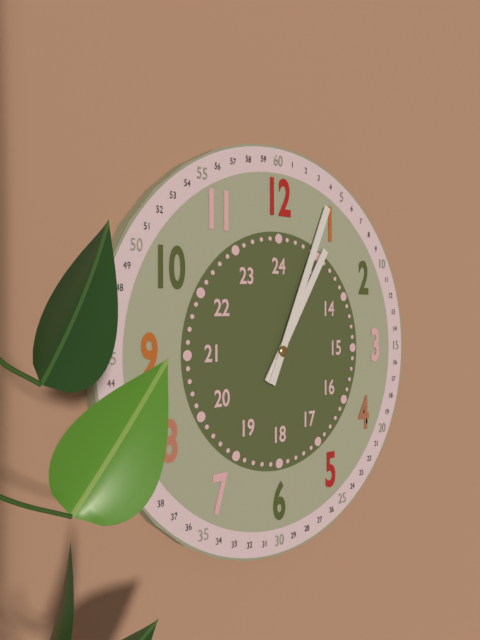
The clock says 1h04
